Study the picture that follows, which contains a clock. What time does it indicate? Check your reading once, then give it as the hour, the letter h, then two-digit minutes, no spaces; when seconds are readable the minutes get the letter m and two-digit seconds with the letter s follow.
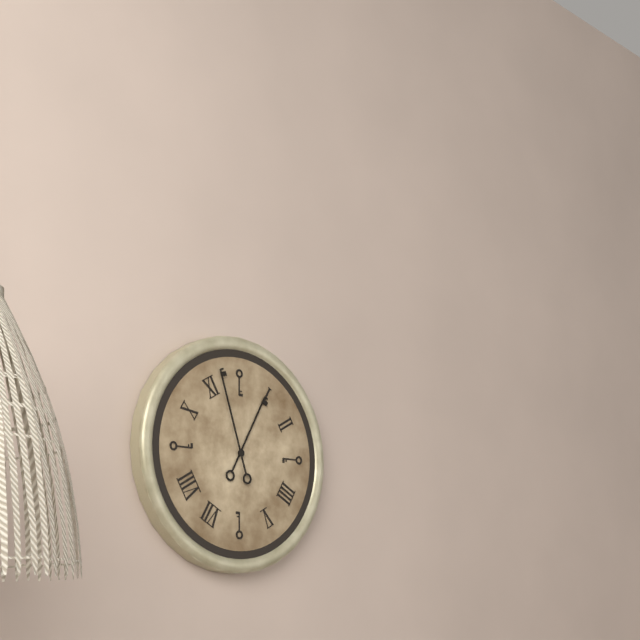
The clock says 12h57
